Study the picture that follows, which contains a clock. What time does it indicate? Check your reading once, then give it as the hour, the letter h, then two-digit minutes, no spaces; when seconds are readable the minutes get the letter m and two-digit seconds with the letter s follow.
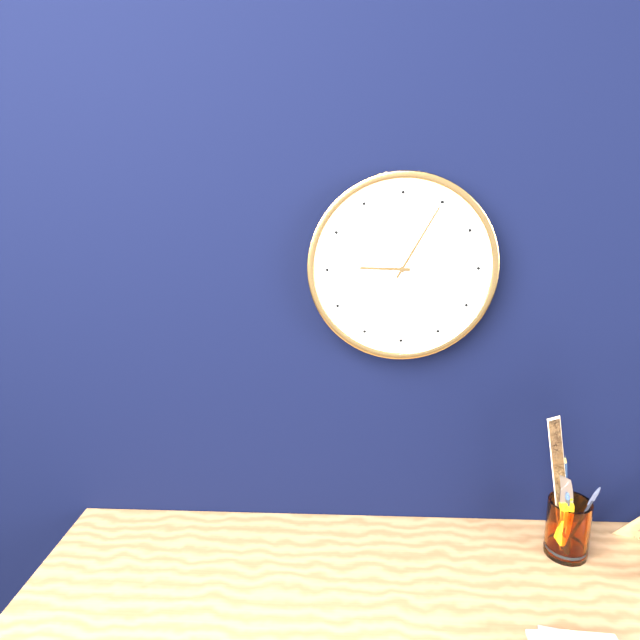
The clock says 9h05
